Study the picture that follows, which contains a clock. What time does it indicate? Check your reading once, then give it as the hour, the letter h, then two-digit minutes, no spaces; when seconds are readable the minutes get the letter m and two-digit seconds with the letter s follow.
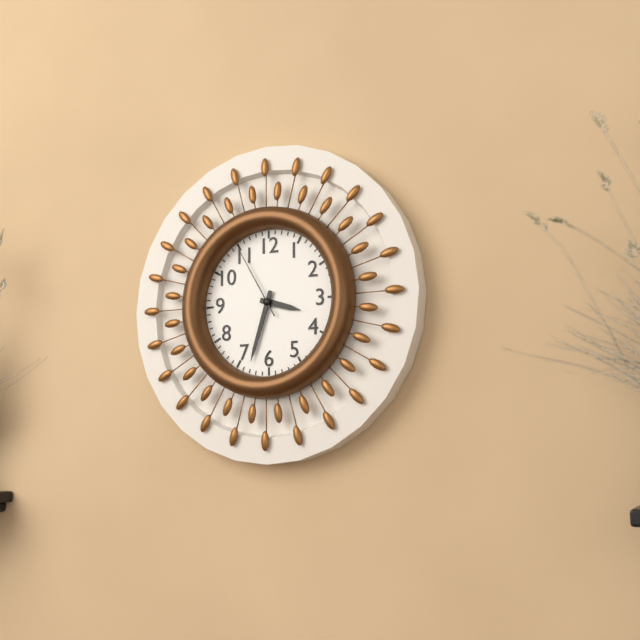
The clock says 3h33m55s
